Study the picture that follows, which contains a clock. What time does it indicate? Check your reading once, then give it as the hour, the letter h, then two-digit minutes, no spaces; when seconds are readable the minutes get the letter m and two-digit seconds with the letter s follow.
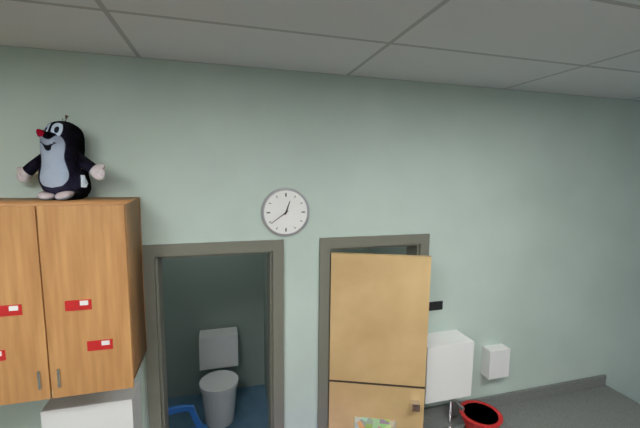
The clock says 12h39
